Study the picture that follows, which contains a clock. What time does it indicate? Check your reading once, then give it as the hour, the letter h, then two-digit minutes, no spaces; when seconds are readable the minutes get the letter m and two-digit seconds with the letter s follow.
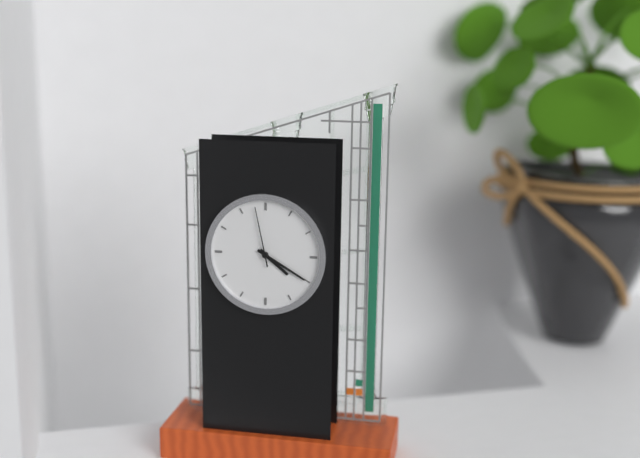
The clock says 4h20m58s
